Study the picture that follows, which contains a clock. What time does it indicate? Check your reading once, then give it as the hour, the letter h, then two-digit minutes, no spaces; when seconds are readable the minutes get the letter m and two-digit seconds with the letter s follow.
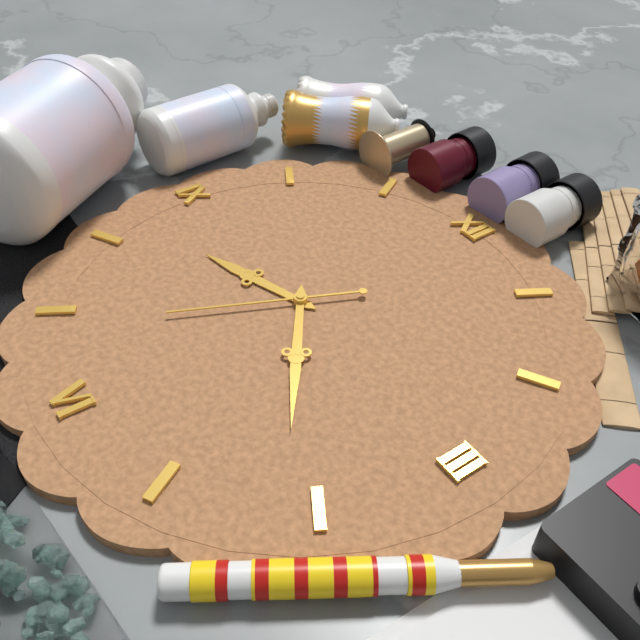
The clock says 8h21m34s
